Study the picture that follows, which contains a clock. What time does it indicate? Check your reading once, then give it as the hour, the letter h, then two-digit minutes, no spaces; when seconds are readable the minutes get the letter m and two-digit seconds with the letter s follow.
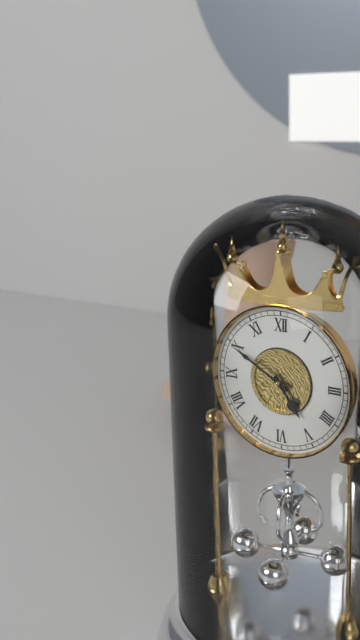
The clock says 4h50
